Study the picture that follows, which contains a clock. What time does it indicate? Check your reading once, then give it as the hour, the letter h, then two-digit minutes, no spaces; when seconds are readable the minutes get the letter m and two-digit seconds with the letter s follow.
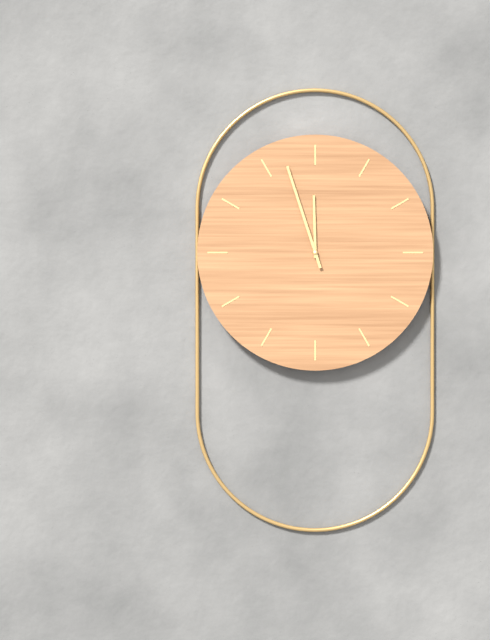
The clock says 11h57
